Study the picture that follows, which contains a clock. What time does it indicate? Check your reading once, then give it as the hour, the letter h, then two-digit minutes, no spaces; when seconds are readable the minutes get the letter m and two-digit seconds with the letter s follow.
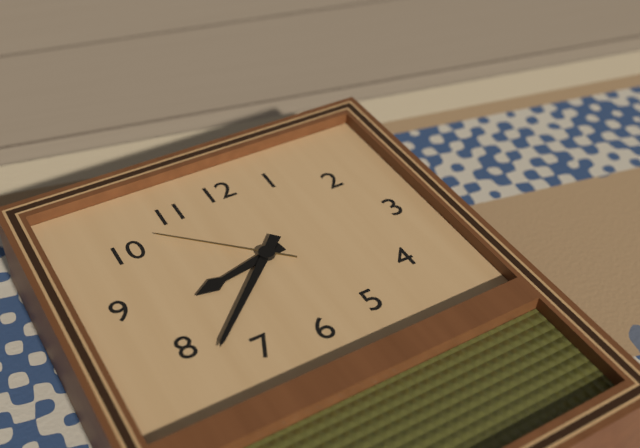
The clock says 8h38m52s
